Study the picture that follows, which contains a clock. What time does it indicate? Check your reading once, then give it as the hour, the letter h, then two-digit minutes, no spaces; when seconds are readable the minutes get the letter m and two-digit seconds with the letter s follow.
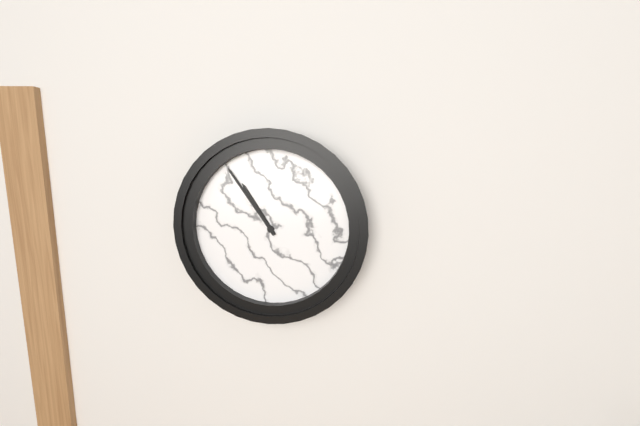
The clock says 10h54
